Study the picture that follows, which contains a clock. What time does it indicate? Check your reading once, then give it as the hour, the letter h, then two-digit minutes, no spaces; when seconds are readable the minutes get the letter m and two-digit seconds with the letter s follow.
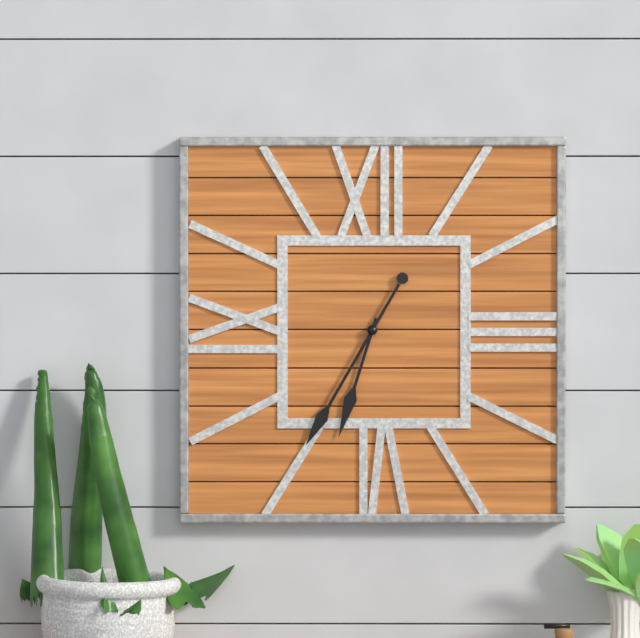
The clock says 6h35
